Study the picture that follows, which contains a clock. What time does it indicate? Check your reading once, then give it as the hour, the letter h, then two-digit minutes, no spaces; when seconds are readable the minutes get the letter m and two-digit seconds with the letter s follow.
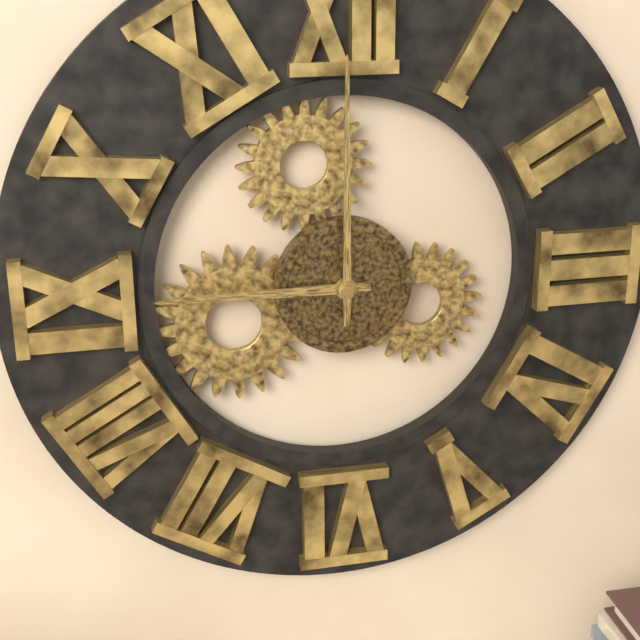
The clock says 9h00
